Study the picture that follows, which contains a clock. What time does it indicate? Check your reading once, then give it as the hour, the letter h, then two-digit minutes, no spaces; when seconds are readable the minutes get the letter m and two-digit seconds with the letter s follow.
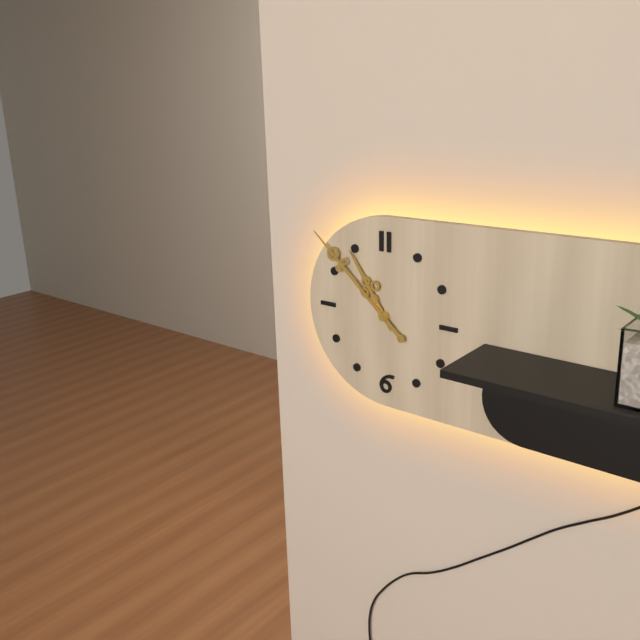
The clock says 10h52
